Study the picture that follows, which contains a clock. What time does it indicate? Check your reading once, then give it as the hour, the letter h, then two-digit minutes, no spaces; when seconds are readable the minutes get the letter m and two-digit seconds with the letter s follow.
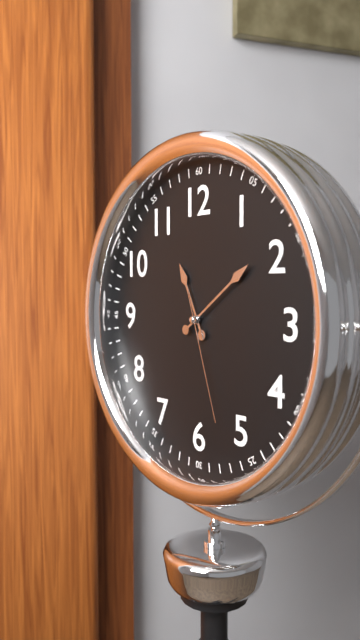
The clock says 11h09m27s
